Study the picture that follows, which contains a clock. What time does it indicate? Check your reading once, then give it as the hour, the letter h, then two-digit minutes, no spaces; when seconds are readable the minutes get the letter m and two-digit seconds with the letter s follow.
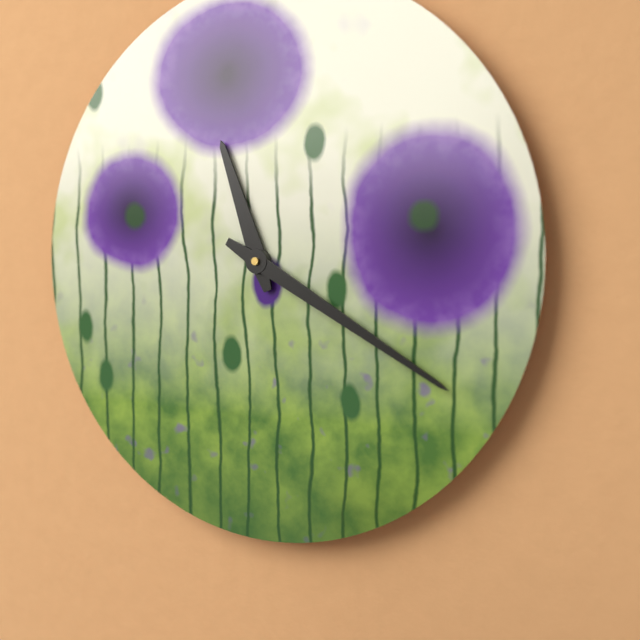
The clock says 11h20
